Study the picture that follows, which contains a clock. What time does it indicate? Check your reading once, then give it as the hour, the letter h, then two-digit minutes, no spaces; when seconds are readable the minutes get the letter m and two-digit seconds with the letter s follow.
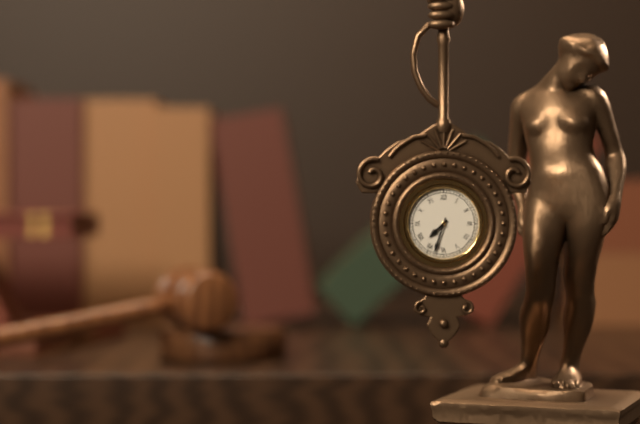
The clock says 7h33
